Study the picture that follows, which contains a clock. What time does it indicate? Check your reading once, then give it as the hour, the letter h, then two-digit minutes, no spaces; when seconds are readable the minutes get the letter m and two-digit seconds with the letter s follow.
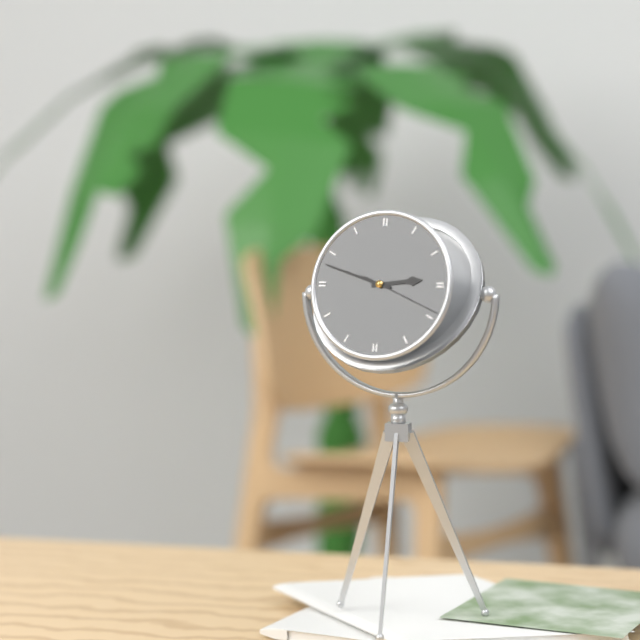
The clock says 2h48m19s
